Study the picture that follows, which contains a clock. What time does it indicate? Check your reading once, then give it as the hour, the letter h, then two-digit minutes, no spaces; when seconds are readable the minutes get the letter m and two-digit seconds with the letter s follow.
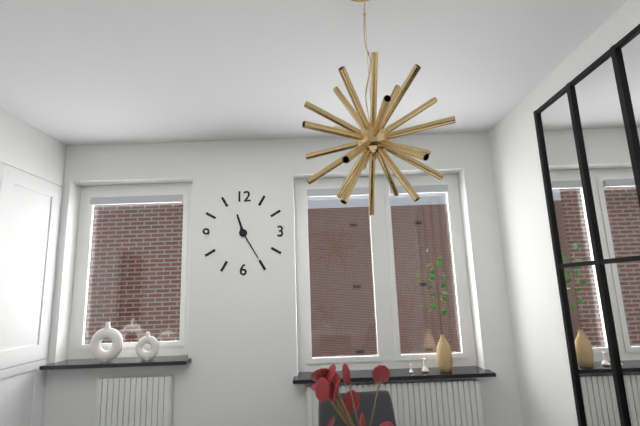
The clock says 11h25
